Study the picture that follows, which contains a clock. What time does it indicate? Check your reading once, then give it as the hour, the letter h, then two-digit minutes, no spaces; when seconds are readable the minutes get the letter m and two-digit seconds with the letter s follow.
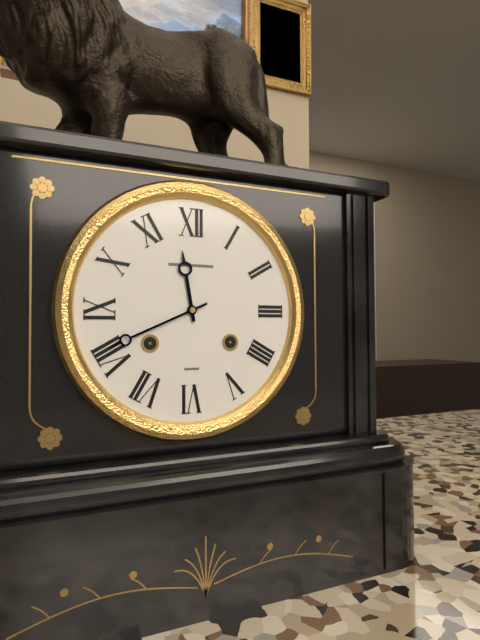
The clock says 11h41
